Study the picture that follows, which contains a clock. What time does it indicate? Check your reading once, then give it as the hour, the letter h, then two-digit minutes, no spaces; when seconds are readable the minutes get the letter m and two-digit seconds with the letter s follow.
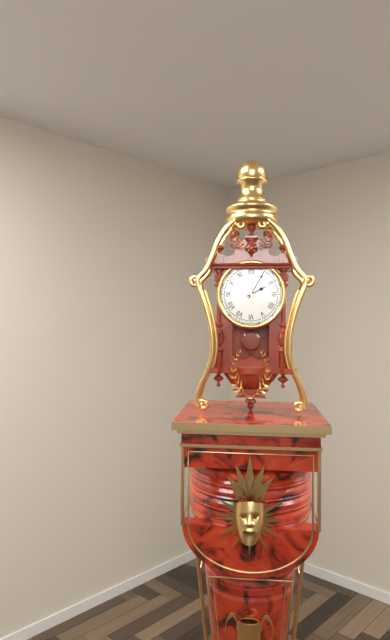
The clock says 2h05
